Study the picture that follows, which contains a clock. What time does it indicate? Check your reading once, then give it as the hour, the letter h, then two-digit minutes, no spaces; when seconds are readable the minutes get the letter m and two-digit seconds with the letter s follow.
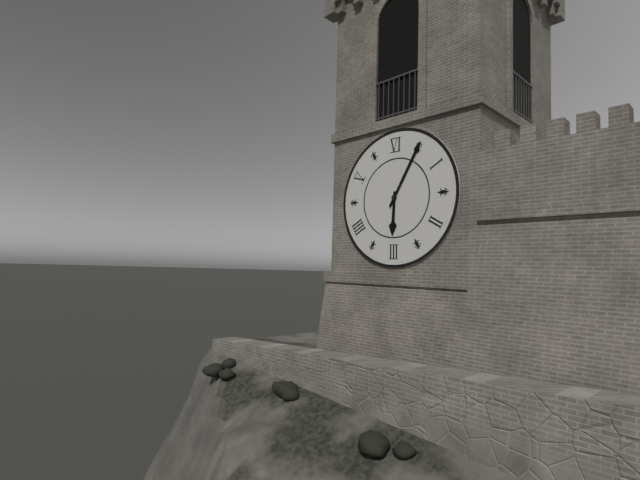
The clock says 6h05
